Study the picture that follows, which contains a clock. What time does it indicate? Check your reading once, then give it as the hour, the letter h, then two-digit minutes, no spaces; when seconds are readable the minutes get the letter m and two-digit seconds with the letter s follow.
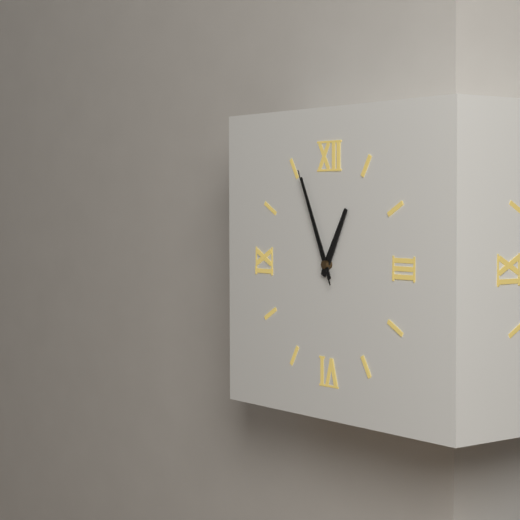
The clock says 12h56m56s
